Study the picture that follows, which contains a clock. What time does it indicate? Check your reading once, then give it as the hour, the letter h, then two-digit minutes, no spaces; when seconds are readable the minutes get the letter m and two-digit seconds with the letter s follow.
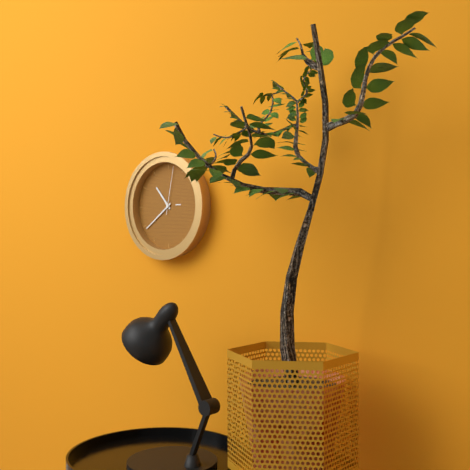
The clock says 10h39m02s
